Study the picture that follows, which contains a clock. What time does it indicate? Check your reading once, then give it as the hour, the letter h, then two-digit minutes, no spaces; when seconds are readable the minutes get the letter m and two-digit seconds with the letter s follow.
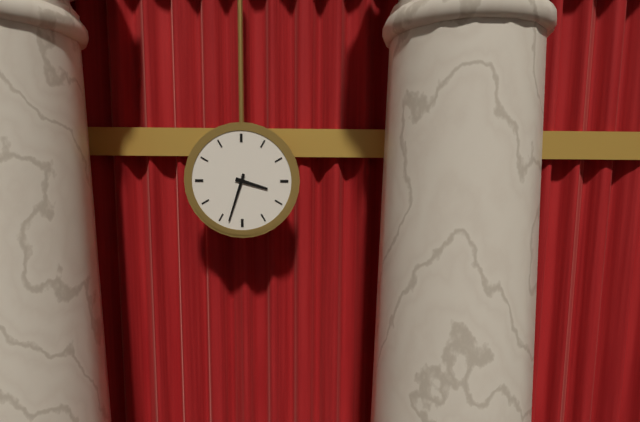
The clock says 3h33
